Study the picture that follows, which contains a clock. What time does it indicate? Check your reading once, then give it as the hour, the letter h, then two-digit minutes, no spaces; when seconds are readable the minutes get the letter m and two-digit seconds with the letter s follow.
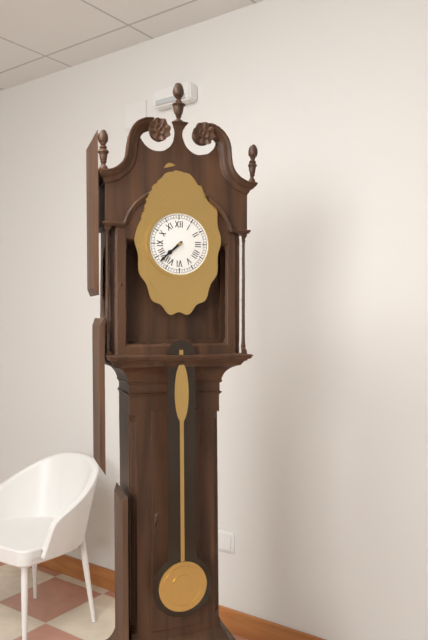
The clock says 7h38
